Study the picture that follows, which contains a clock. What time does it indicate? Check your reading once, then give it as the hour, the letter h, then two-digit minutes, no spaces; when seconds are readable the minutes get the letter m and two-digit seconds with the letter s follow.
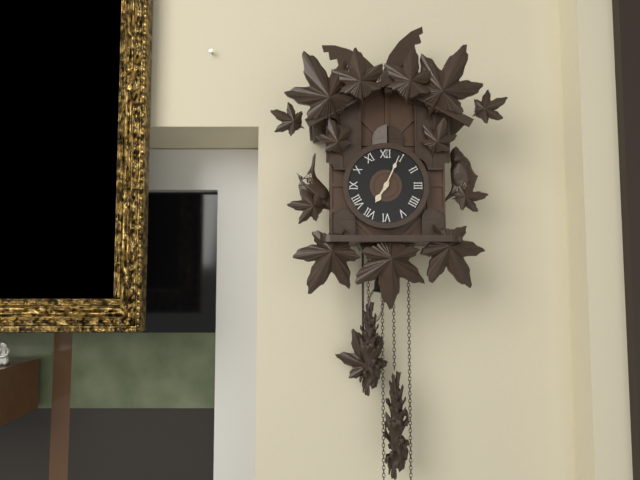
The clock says 7h04
